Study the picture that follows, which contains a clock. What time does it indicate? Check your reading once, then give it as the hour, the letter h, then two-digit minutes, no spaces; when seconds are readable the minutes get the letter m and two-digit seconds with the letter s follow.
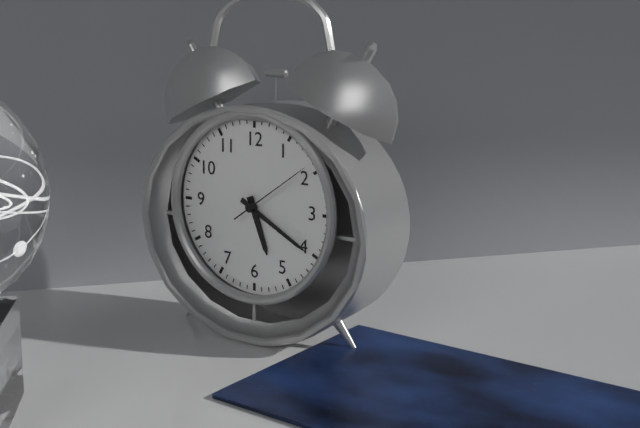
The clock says 5h20m09s
